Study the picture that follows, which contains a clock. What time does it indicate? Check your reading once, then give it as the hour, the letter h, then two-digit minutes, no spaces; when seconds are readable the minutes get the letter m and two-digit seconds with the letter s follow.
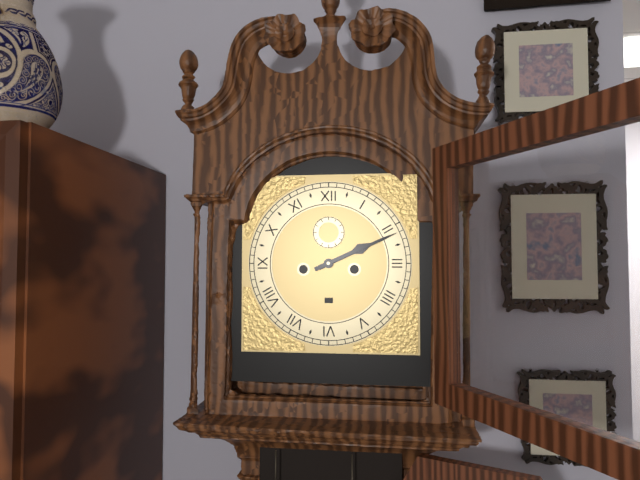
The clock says 2h11
